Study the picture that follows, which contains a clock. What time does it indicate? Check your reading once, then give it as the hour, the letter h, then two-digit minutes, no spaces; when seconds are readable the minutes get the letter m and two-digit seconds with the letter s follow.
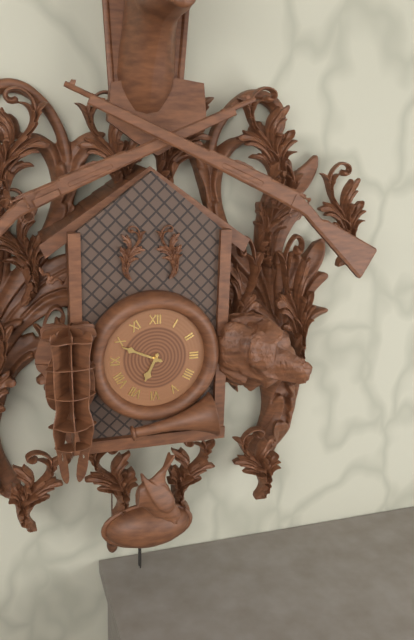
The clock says 6h49
